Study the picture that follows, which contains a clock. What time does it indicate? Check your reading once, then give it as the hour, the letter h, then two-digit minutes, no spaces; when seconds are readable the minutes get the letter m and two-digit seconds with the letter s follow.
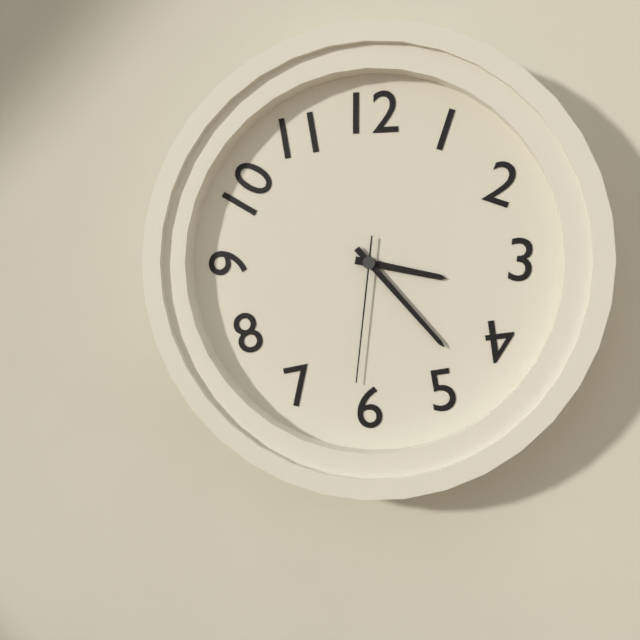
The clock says 3h23m31s
